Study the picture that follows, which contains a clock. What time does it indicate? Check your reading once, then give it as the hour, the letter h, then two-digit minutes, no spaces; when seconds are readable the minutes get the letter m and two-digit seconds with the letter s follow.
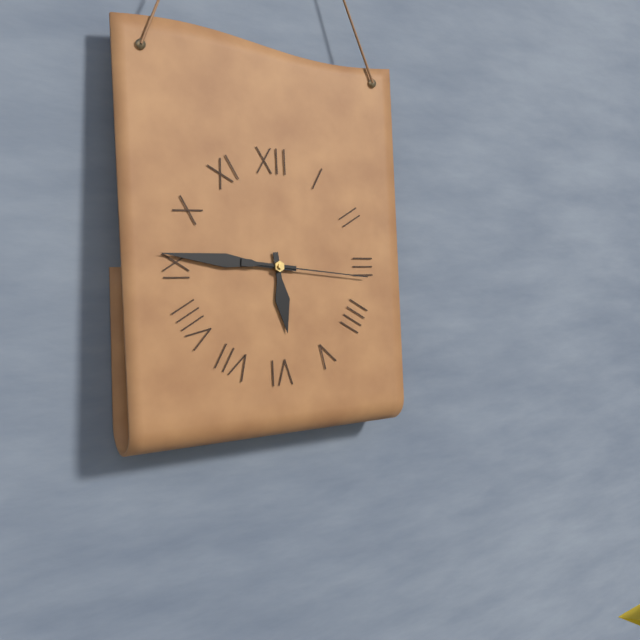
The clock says 5h46m16s
